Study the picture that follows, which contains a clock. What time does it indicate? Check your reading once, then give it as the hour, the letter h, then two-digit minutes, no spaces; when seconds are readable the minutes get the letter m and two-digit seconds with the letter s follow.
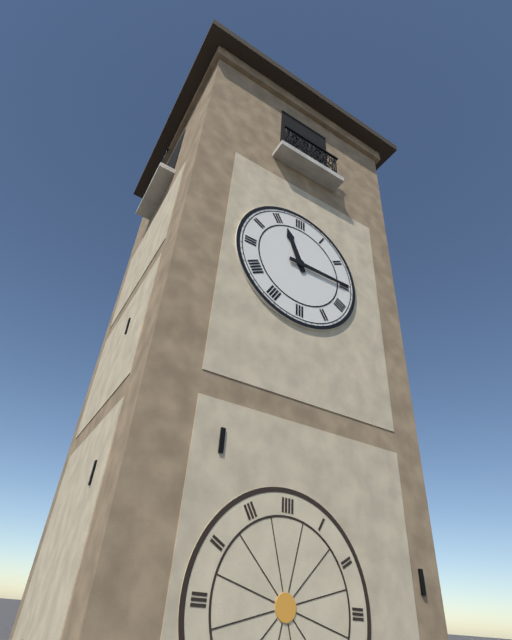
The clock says 11h15
